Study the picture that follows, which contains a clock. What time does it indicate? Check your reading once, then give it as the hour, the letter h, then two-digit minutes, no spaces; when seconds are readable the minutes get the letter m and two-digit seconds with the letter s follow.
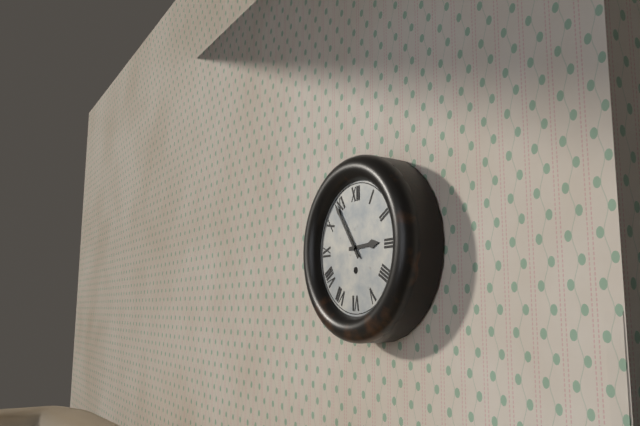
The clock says 2h54
